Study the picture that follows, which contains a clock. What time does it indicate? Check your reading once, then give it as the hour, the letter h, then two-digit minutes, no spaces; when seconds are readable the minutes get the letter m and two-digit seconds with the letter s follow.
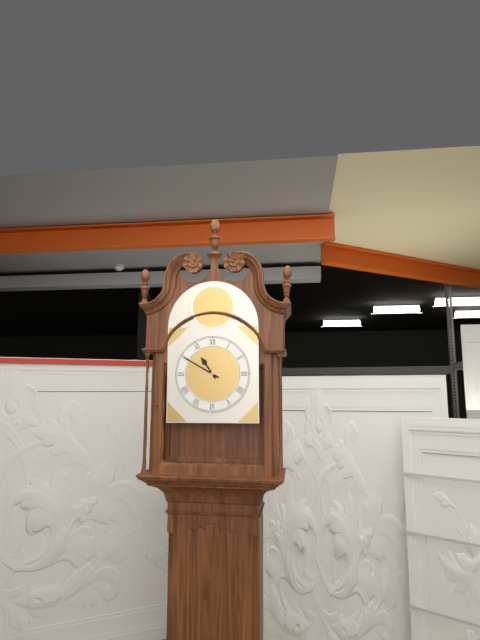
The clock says 10h50
